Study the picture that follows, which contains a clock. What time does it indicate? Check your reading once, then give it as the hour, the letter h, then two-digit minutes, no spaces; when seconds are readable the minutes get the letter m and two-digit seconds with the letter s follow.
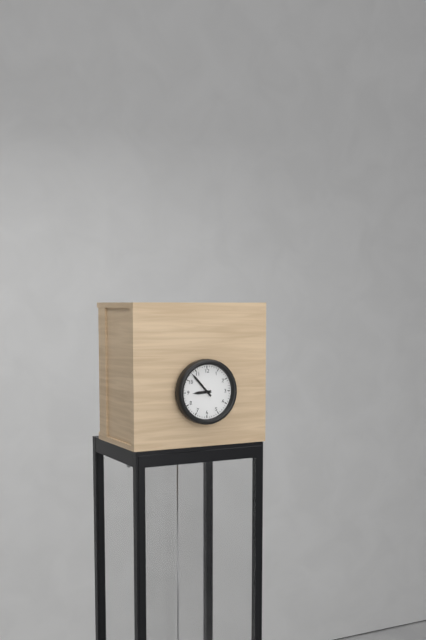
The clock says 8h53
